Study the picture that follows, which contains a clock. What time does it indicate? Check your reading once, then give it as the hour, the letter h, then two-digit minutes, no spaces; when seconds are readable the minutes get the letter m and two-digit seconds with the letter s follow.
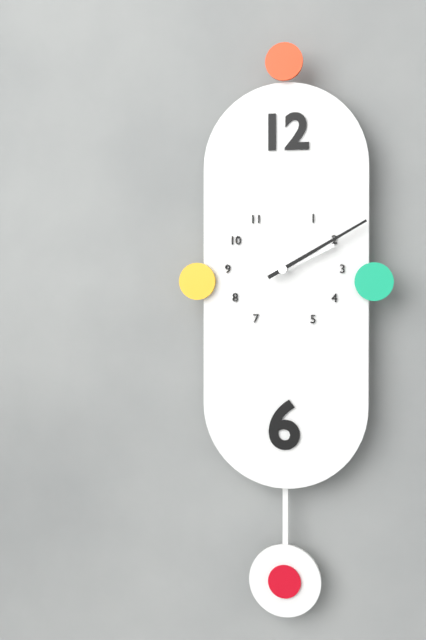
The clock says 2h10
